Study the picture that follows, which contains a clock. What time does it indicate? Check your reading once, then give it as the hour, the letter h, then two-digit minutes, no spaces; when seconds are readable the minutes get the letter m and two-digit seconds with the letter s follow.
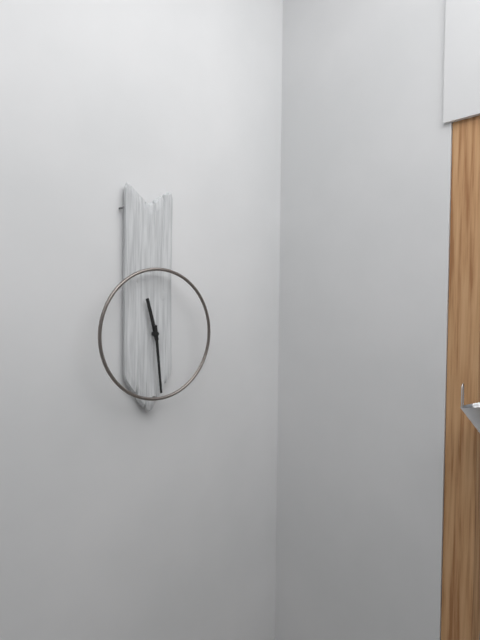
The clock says 11h29
